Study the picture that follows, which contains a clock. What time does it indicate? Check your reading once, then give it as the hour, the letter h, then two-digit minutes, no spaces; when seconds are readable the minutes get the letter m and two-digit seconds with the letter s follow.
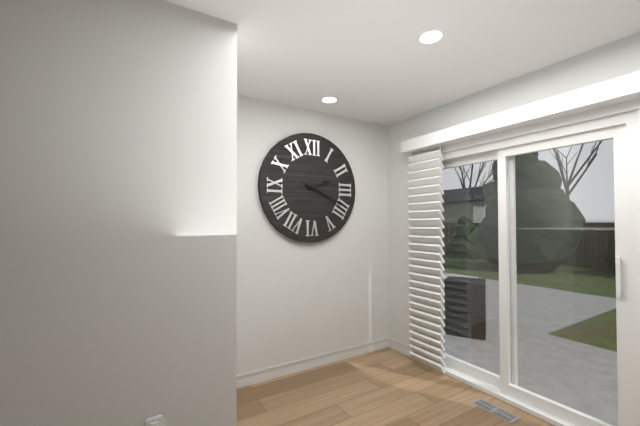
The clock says 2h19
